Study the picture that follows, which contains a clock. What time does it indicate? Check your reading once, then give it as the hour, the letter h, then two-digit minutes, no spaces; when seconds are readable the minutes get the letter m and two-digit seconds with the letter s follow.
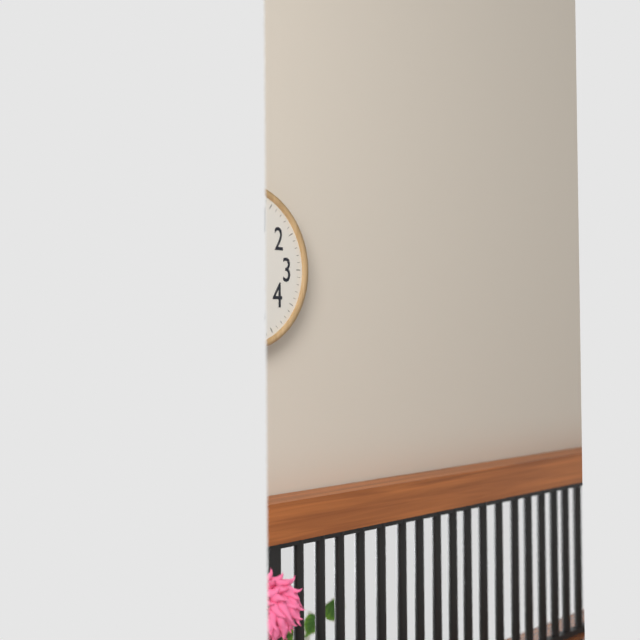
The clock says 6h58m53s
